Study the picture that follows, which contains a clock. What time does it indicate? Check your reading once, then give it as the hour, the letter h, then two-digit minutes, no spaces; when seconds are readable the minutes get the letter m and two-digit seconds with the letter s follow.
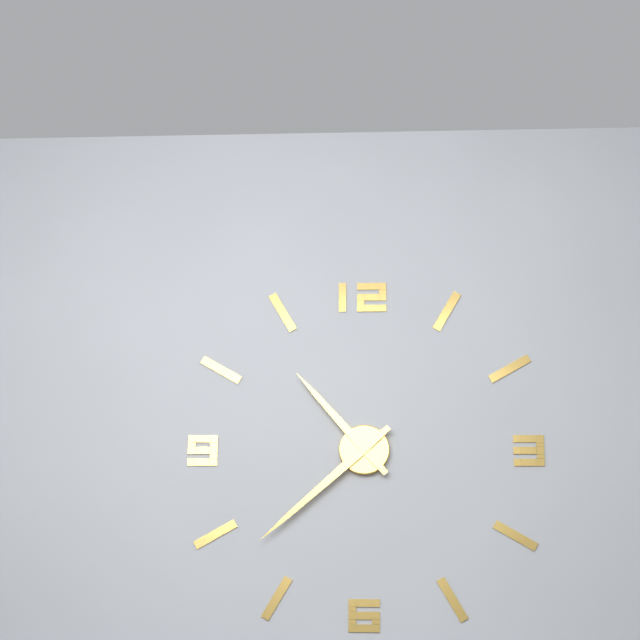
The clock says 10h38
